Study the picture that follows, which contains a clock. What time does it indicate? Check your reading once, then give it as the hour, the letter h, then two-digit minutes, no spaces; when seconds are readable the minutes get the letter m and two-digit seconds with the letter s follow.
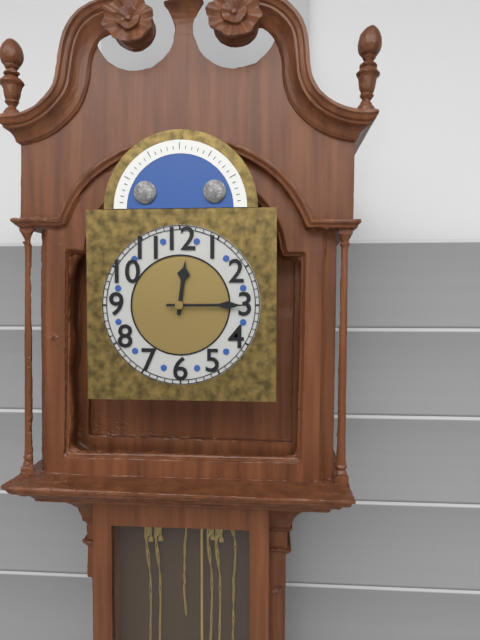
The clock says 12h15
